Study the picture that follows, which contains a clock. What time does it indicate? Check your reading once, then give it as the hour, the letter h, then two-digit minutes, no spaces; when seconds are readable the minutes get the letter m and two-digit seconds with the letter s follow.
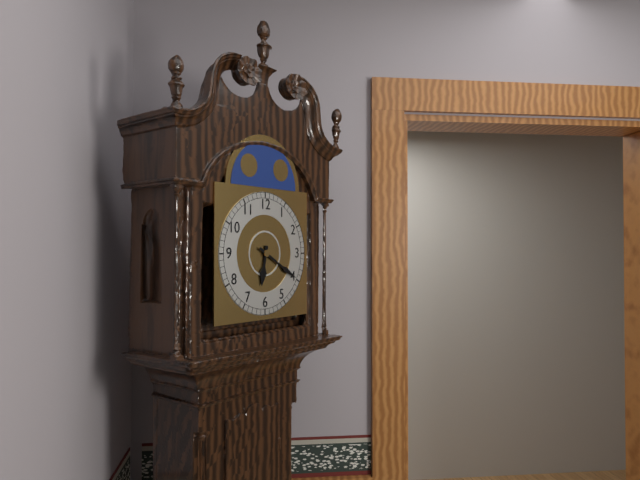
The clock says 6h20
